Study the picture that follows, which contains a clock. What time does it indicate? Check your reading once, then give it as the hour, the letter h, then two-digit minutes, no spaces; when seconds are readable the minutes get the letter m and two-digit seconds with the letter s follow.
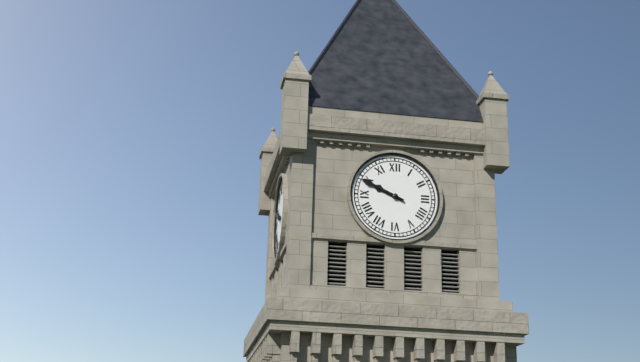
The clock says 9h49
